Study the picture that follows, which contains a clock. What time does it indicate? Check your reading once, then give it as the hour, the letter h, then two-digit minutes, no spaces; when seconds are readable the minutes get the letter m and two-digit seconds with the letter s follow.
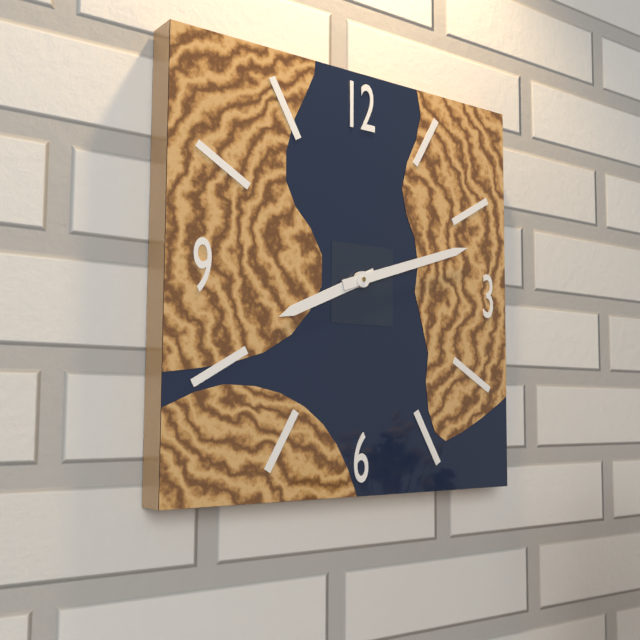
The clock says 8h12
